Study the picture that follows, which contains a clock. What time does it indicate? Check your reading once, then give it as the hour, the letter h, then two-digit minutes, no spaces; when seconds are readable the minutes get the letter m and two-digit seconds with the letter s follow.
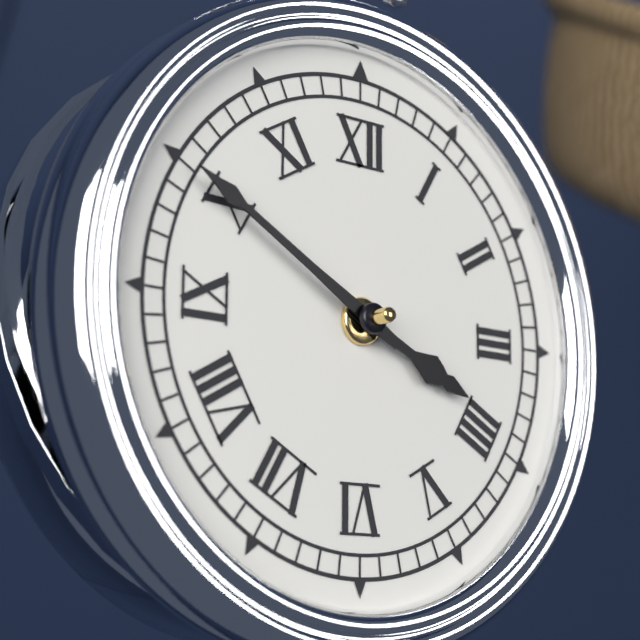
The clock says 3h50
